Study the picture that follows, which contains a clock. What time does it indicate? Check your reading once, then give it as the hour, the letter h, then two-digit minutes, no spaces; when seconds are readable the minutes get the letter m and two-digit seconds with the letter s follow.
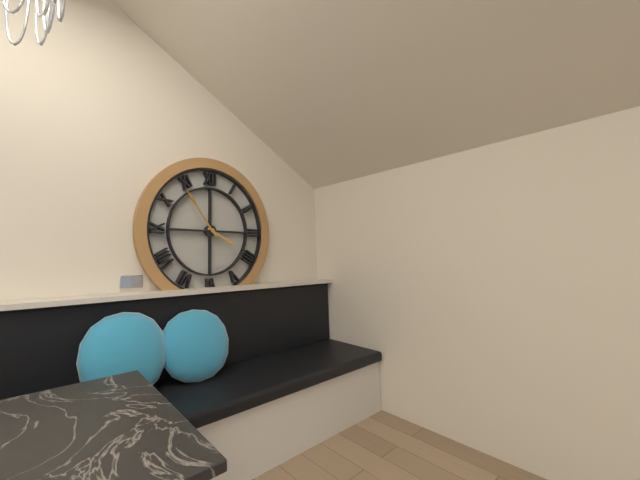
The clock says 3h54
